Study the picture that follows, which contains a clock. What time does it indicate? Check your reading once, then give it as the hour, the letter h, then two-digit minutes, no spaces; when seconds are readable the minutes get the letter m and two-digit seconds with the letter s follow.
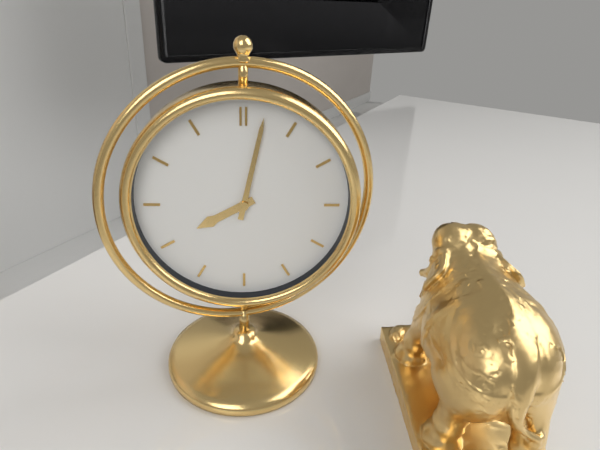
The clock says 8h02
